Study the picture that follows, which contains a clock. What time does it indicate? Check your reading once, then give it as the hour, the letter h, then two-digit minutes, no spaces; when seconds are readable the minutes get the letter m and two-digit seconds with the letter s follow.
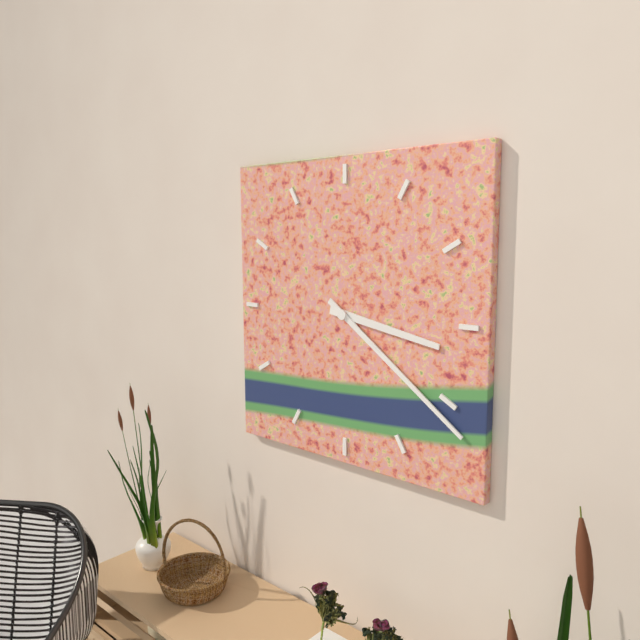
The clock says 3h21
